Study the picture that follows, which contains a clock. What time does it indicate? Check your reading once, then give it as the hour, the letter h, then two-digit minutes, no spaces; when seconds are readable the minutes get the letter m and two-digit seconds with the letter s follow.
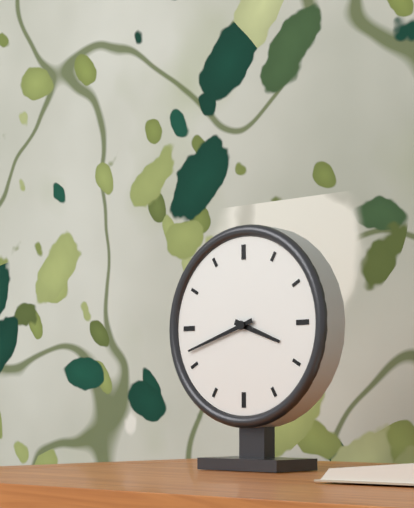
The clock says 3h42
